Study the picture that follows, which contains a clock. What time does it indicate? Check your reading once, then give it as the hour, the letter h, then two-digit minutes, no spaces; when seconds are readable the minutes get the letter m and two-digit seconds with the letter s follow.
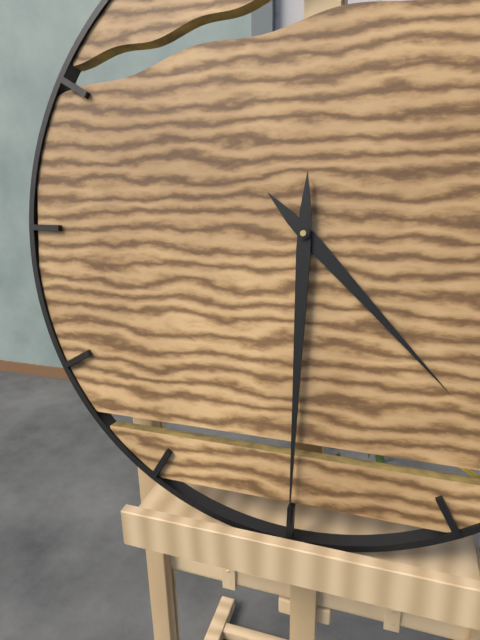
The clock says 4h30
